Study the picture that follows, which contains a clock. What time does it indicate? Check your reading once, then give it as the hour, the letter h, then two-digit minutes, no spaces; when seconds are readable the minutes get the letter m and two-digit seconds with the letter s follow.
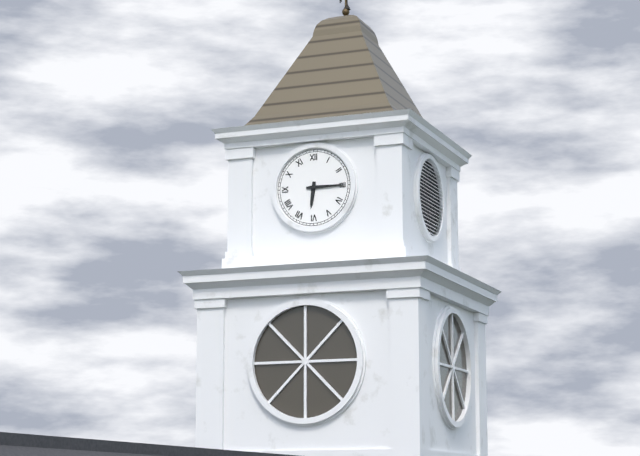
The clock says 6h15
